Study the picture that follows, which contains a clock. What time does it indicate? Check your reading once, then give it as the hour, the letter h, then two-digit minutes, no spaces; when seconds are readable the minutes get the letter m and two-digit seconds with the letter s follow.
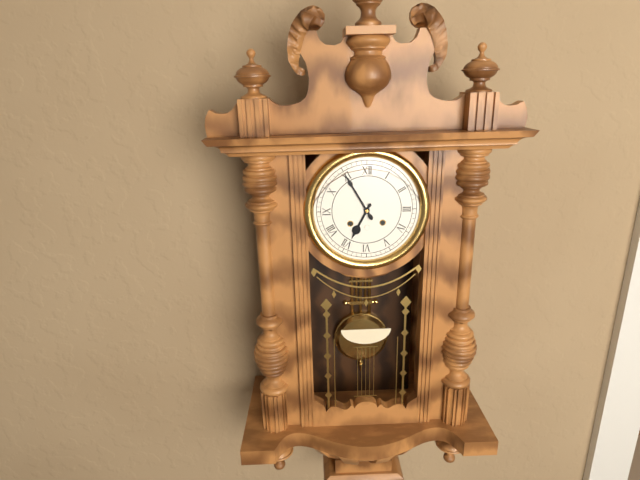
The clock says 6h55
